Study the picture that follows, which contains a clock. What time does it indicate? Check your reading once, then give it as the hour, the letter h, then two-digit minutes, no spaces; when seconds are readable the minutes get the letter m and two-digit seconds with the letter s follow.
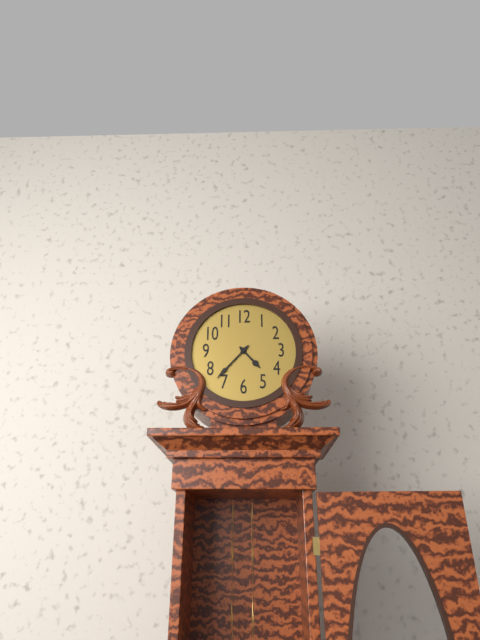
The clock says 4h37
